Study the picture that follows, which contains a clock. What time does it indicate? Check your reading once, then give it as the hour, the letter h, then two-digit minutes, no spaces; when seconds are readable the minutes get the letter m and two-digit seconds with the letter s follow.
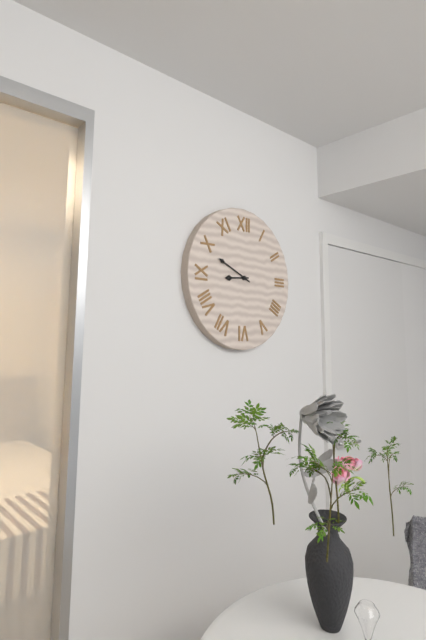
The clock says 8h49
